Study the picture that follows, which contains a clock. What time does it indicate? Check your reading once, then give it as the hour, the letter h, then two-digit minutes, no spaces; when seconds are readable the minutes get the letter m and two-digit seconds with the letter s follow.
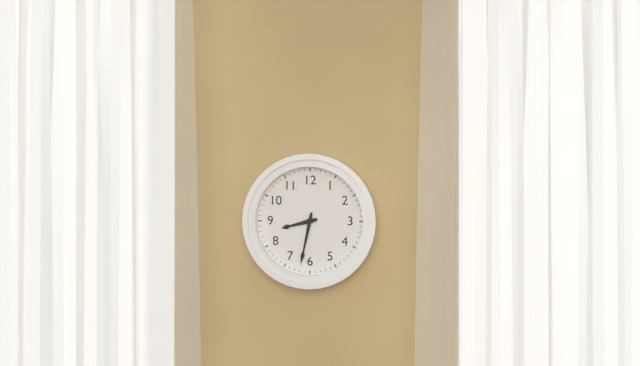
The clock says 8h32
